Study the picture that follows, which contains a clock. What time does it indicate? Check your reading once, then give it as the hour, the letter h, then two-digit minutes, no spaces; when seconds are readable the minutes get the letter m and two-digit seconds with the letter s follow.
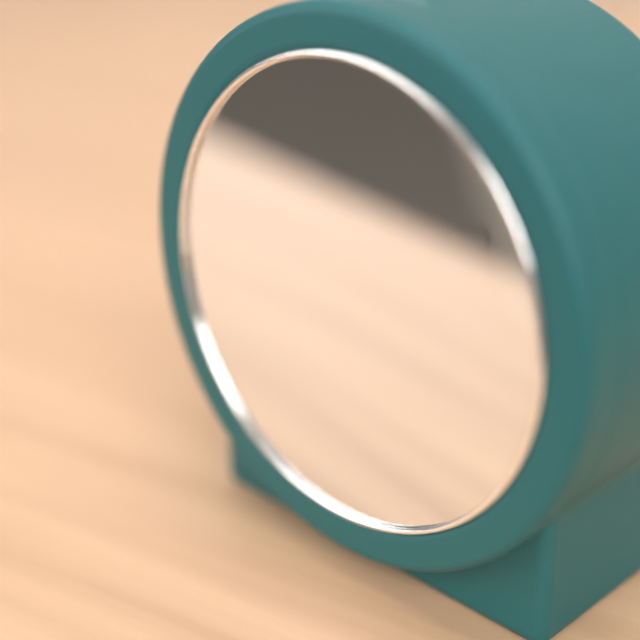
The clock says 2h49m36s
